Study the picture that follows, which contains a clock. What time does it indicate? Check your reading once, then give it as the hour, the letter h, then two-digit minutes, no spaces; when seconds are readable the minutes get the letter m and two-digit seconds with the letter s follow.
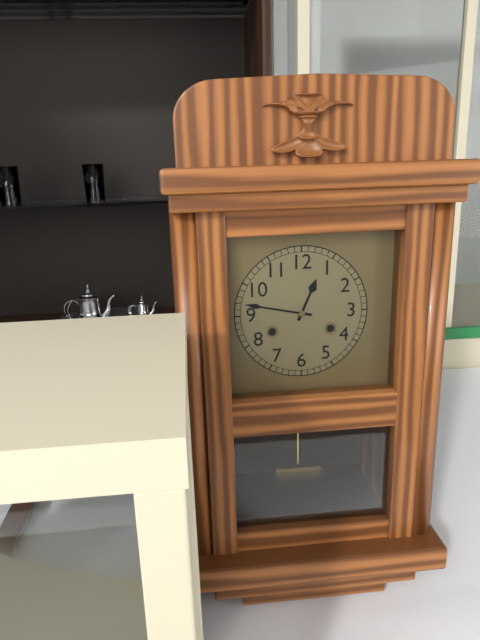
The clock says 12h47
